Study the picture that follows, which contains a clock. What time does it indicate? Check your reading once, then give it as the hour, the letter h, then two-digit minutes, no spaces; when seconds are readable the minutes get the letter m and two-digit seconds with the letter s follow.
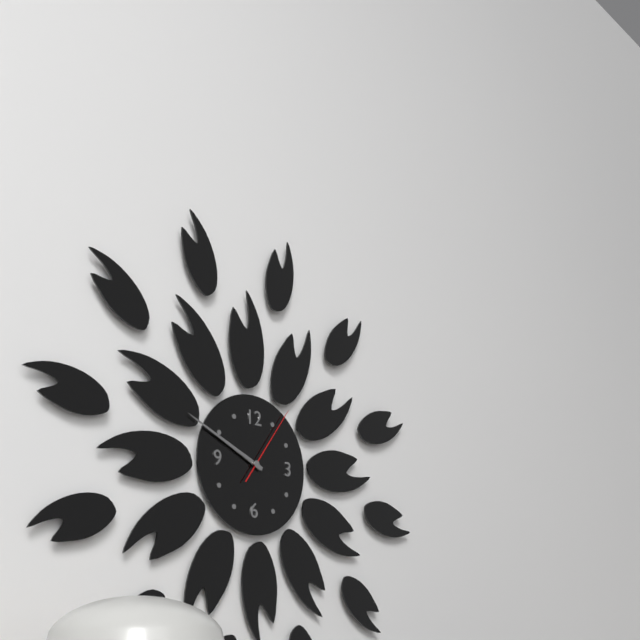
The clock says 9h49m06s
